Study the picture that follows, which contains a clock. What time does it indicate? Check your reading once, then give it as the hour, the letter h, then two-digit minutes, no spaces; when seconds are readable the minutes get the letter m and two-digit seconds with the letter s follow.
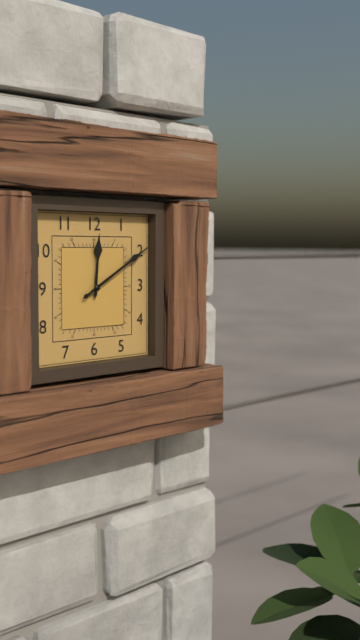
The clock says 12h10
